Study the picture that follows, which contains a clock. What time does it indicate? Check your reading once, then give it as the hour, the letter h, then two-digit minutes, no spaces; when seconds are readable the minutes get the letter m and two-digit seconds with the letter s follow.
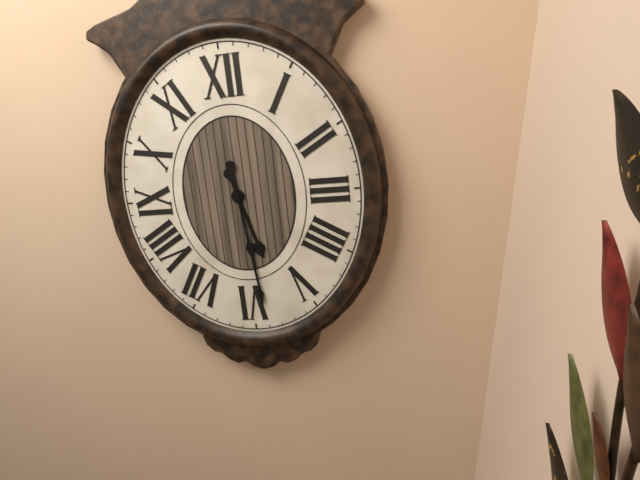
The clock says 5h29
